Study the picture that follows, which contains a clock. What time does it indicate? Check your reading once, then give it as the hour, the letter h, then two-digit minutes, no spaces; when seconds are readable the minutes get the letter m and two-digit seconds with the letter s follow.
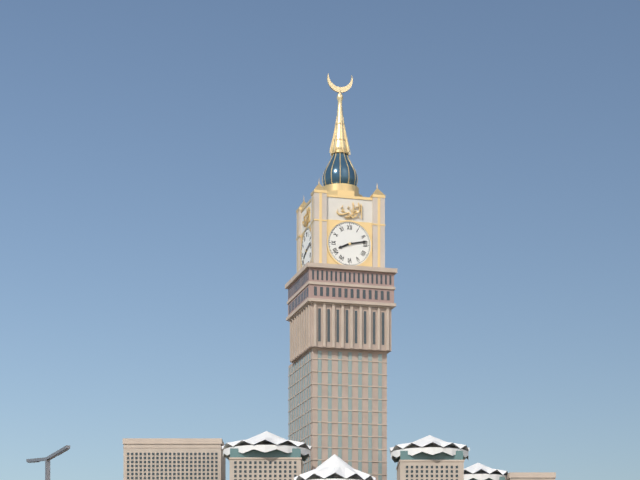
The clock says 8h13
